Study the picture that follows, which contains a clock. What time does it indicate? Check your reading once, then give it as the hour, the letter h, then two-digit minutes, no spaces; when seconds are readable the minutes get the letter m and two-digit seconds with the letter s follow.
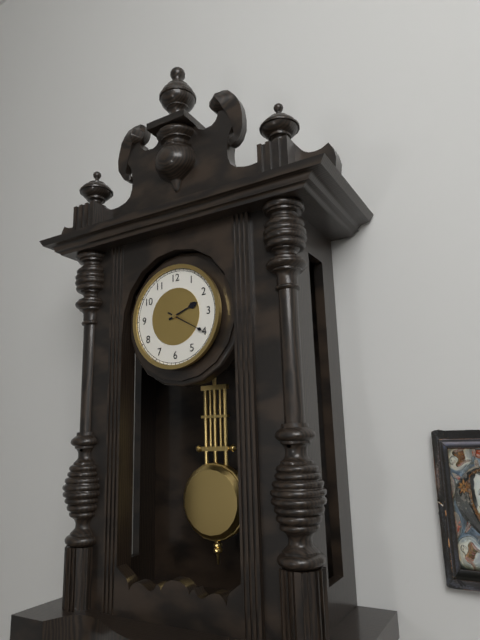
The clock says 2h20
